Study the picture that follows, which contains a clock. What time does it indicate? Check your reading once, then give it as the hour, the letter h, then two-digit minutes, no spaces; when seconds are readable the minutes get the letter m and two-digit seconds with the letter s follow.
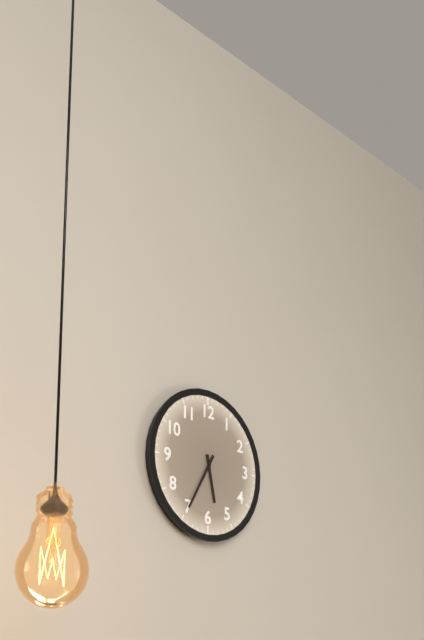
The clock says 5h35
